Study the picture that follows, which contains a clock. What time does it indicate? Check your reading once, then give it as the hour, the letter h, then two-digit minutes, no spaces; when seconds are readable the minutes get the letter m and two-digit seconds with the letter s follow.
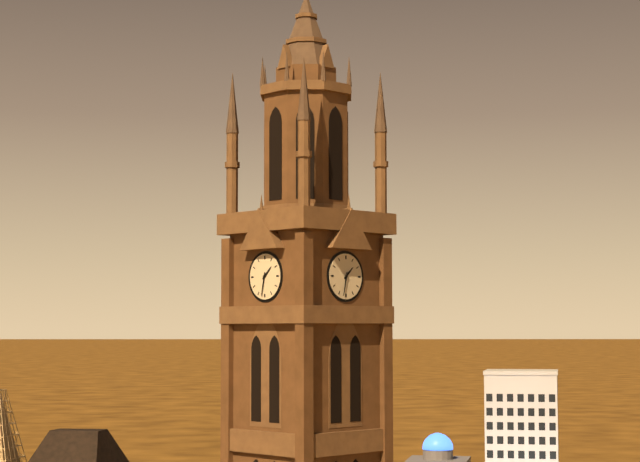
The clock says 1h32
